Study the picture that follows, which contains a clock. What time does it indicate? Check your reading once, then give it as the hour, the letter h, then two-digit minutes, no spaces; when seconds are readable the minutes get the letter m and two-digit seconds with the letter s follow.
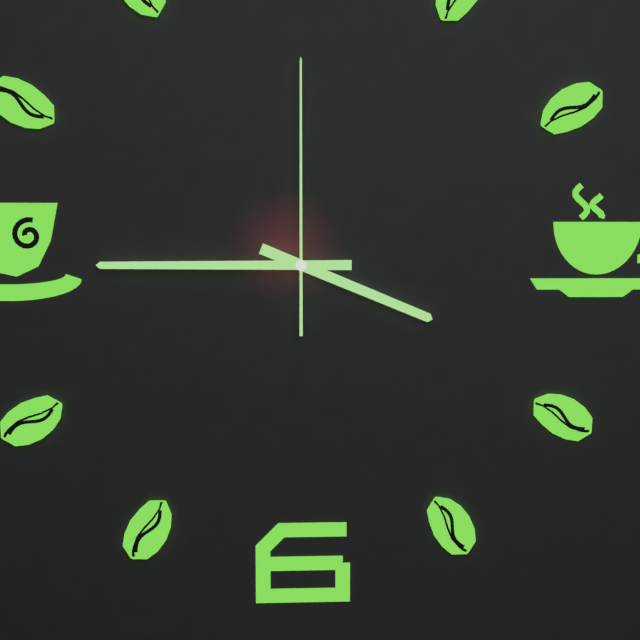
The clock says 3h45m00s
